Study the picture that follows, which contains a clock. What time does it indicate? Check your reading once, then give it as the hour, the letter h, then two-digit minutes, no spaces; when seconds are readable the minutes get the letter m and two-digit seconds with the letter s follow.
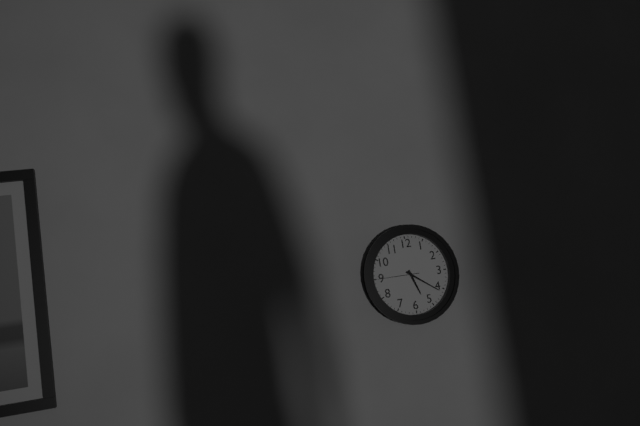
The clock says 5h21
